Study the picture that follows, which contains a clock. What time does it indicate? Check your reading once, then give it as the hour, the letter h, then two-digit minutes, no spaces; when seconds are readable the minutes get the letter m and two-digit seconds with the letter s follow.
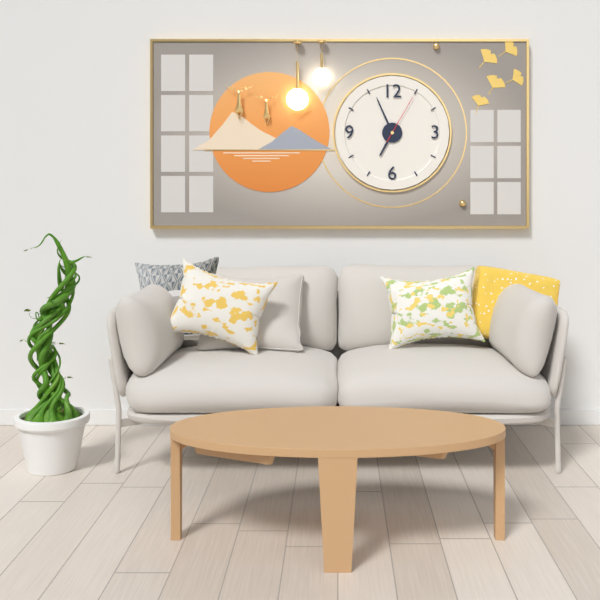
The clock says 6h56m05s
